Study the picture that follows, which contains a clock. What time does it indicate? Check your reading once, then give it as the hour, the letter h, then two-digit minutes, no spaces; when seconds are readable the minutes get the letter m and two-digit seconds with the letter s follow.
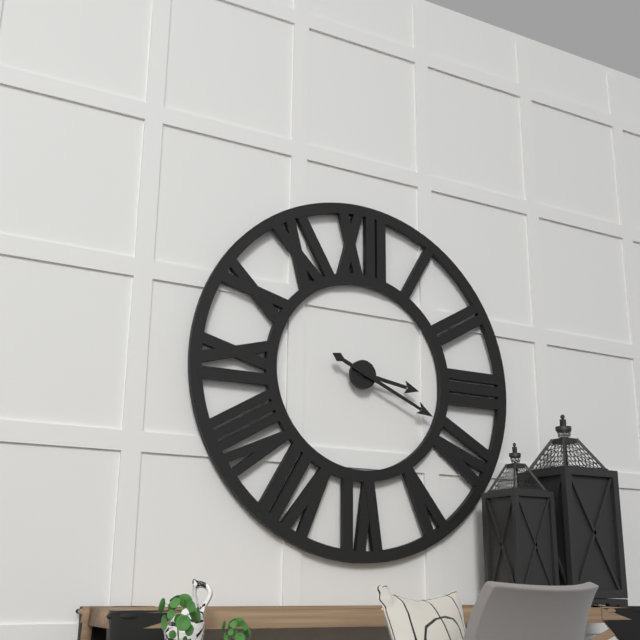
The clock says 3h19
